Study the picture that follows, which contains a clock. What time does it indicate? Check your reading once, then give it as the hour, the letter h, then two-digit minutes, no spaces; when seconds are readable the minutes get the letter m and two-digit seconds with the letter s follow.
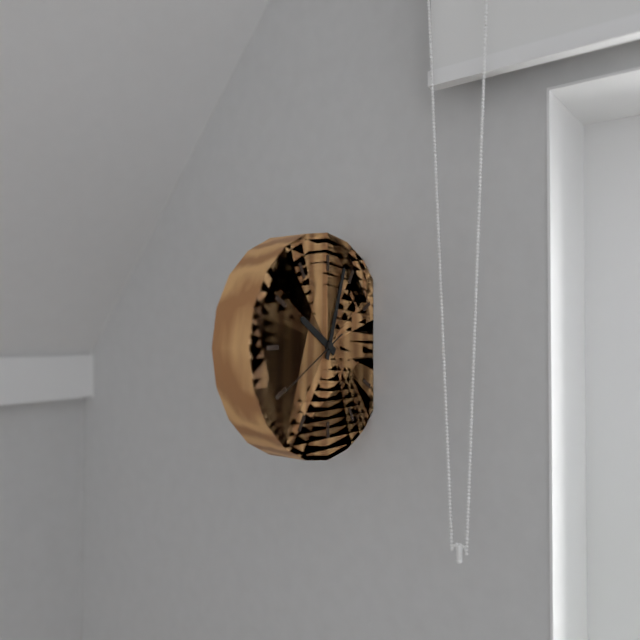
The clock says 10h03m40s
